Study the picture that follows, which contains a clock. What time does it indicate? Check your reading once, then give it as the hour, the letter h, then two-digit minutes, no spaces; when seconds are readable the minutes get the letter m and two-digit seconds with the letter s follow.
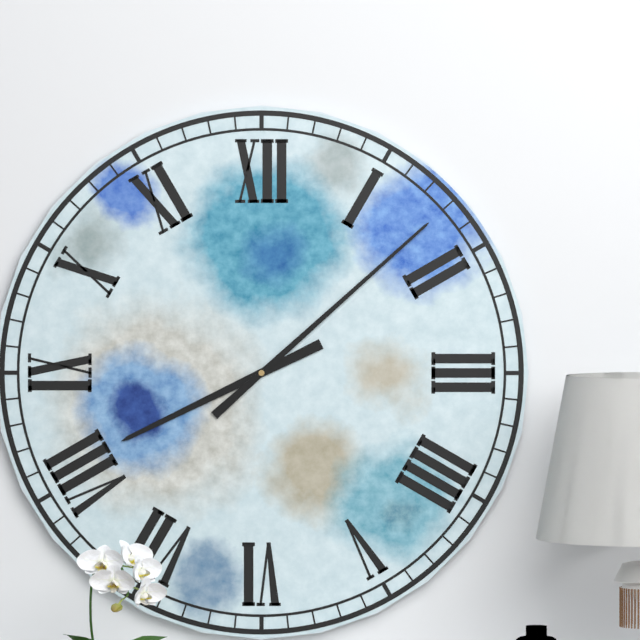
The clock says 8h08
